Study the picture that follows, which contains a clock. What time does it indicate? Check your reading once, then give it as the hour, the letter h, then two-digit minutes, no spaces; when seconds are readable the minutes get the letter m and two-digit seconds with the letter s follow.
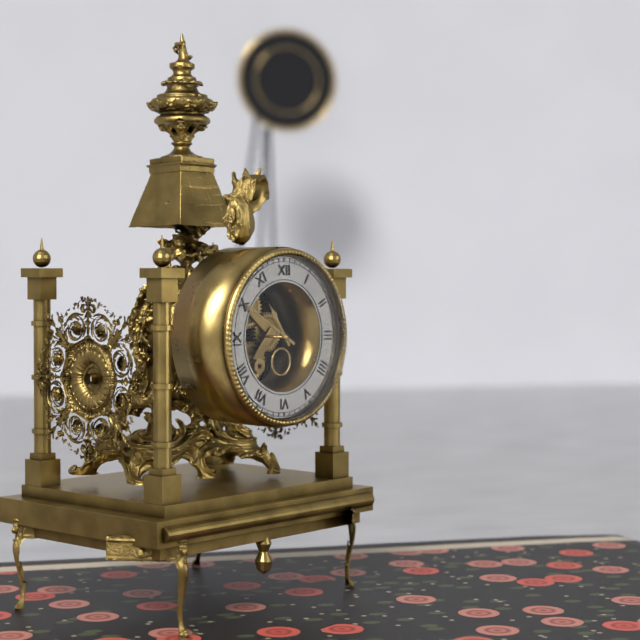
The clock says 10h50
